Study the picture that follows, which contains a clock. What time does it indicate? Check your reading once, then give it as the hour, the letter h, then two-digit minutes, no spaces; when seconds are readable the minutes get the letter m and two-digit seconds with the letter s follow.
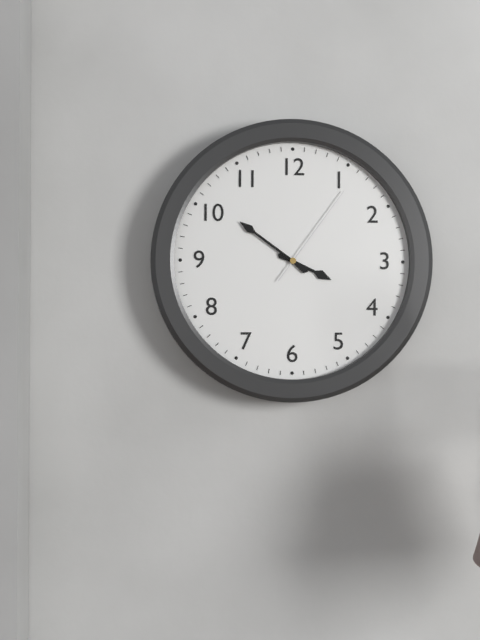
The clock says 3h51m06s
